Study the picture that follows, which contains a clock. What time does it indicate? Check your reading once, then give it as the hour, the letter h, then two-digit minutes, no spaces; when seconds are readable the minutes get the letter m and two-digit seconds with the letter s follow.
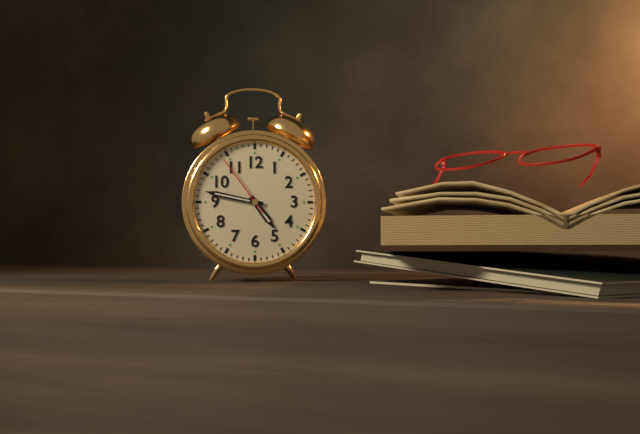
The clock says 4h47m54s
